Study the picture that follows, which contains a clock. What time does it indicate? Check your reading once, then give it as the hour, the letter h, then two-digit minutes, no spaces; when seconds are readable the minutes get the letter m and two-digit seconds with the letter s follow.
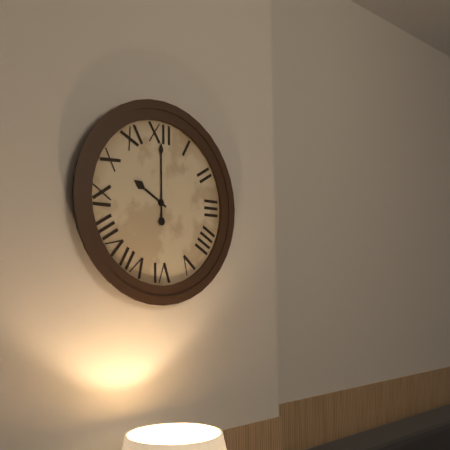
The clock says 10h00
